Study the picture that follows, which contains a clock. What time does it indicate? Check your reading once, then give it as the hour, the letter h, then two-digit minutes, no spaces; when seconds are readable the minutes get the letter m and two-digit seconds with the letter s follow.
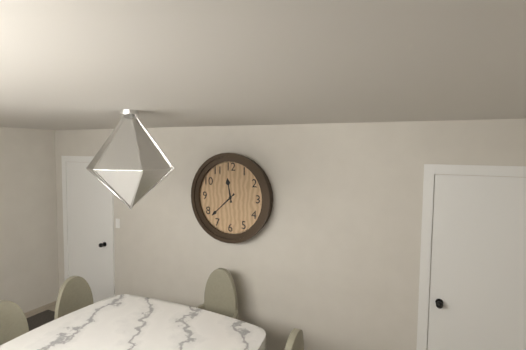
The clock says 11h38
